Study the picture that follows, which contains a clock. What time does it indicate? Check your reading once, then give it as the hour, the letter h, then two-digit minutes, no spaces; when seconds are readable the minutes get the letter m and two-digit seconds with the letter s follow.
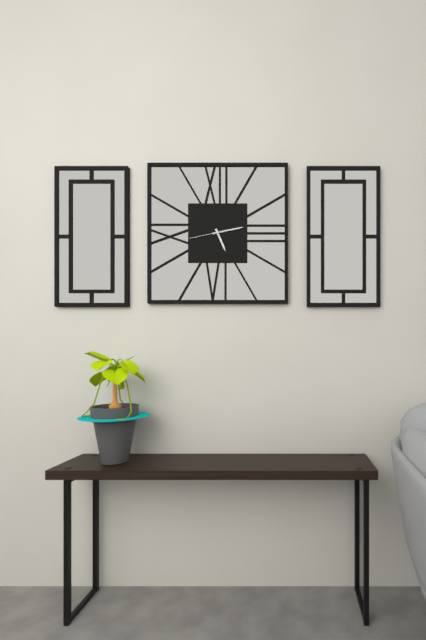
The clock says 5h13
